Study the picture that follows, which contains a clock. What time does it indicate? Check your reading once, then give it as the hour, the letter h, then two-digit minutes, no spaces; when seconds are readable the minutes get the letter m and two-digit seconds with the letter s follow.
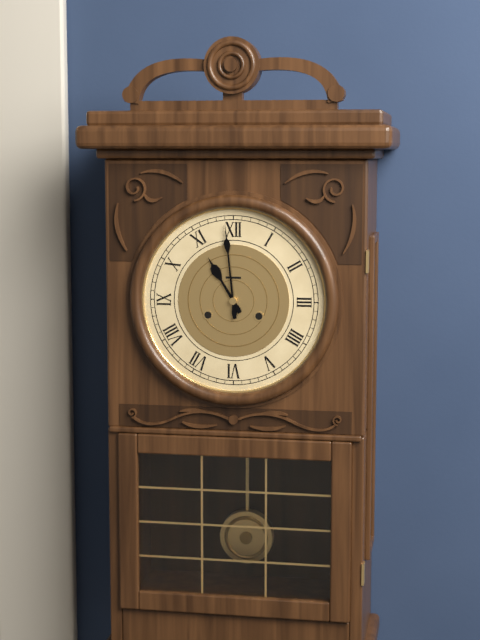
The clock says 10h59
